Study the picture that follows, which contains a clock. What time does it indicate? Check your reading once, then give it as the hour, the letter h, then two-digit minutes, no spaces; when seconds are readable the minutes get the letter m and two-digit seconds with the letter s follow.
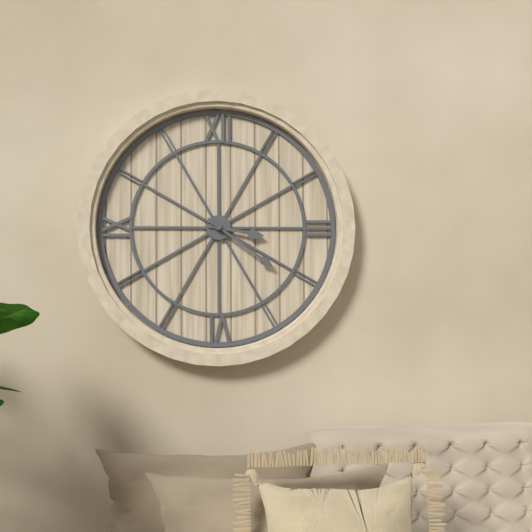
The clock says 3h21
